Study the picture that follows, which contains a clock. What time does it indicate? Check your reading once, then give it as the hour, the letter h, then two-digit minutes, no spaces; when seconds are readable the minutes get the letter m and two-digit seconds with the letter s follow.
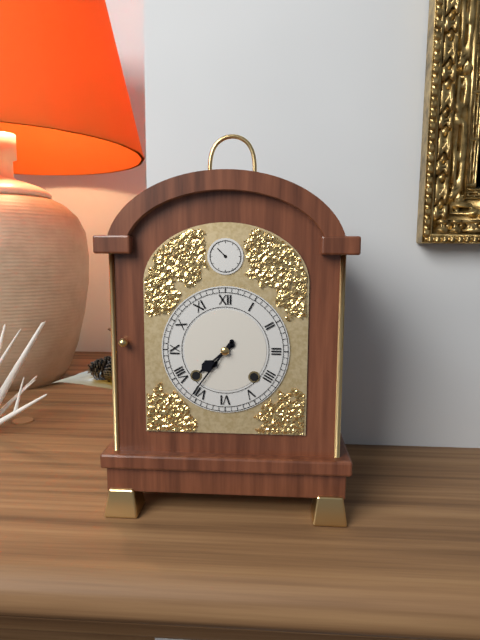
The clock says 7h36
